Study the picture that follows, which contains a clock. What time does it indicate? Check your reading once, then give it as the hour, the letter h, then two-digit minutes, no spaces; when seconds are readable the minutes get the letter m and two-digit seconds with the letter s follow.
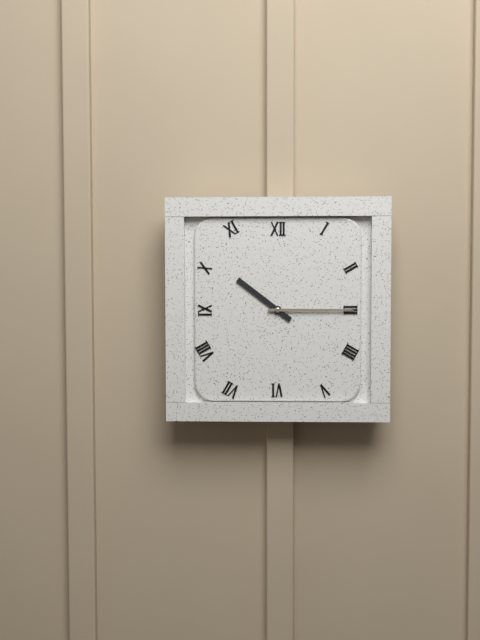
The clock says 10h15
